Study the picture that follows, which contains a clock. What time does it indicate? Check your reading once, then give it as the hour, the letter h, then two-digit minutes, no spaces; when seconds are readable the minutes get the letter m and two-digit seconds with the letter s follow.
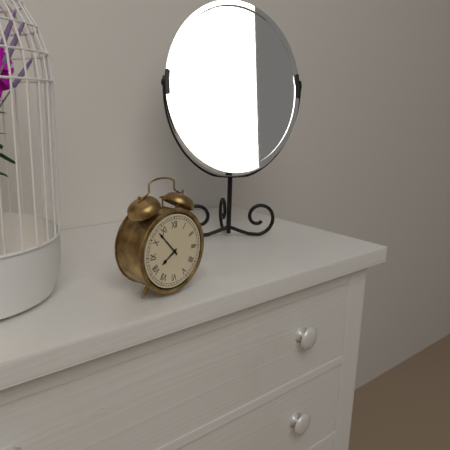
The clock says 7h53
